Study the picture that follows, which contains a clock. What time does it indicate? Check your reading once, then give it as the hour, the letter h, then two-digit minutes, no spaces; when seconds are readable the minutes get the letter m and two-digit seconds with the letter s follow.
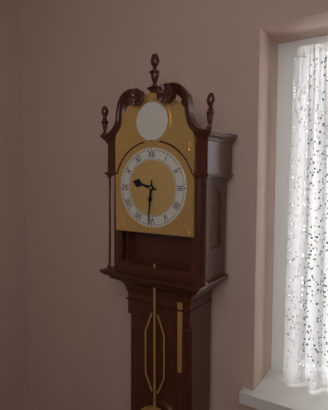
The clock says 9h31
